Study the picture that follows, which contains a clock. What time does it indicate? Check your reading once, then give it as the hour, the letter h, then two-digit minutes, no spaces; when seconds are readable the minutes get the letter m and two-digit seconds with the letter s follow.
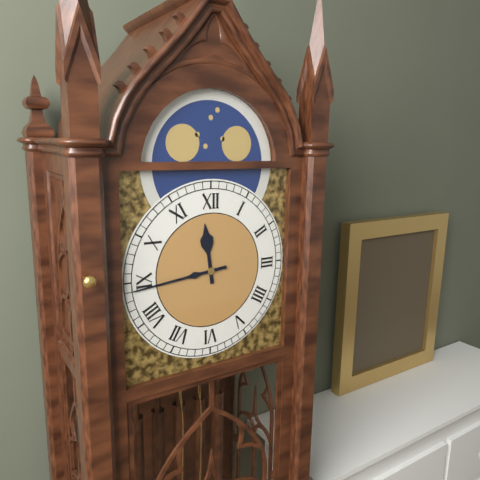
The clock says 11h44
